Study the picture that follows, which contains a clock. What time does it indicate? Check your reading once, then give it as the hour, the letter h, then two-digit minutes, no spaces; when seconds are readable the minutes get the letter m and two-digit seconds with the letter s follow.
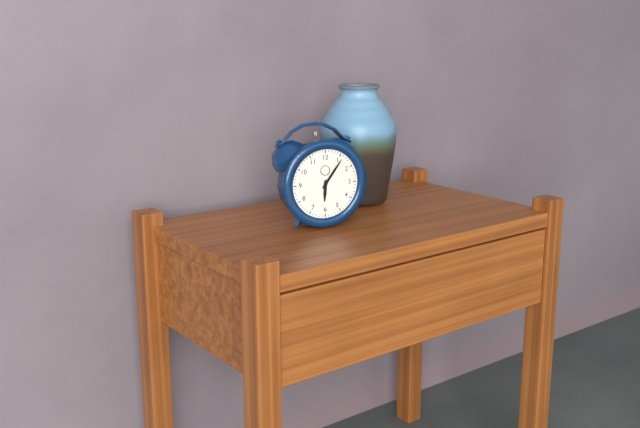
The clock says 6h06
